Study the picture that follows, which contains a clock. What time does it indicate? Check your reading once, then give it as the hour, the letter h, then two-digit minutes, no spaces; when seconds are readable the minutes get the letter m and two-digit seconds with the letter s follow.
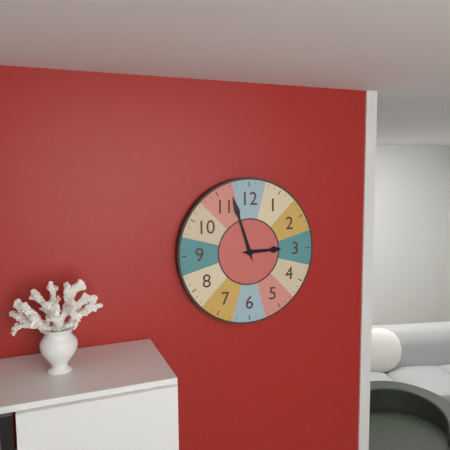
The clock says 2h57
